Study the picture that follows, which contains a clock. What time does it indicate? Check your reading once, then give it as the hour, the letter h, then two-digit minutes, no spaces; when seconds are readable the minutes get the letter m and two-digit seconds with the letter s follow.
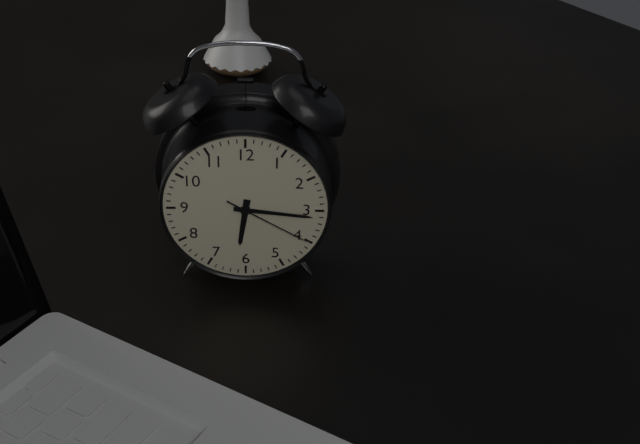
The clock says 6h16m20s
